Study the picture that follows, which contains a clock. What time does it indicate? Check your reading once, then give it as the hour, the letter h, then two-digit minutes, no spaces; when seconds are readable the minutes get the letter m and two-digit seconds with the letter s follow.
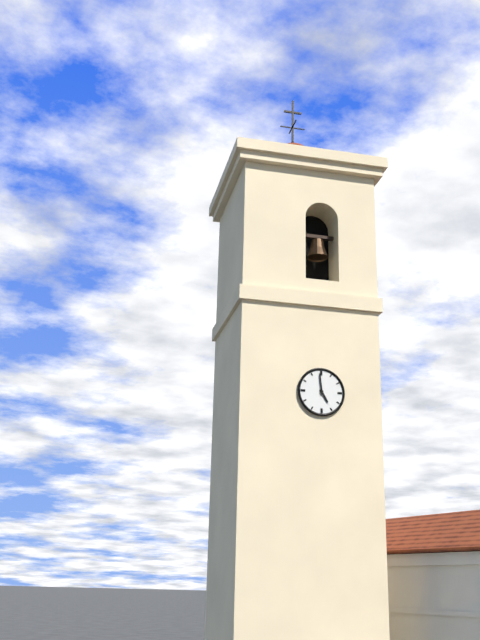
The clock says 4h59
